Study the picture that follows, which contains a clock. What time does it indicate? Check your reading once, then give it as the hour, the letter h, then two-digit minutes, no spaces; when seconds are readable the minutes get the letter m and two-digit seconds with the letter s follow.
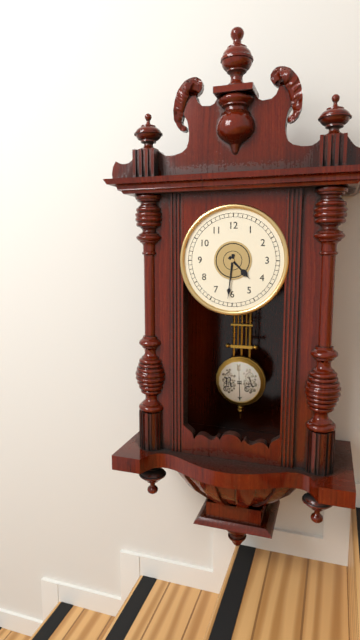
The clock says 4h31
